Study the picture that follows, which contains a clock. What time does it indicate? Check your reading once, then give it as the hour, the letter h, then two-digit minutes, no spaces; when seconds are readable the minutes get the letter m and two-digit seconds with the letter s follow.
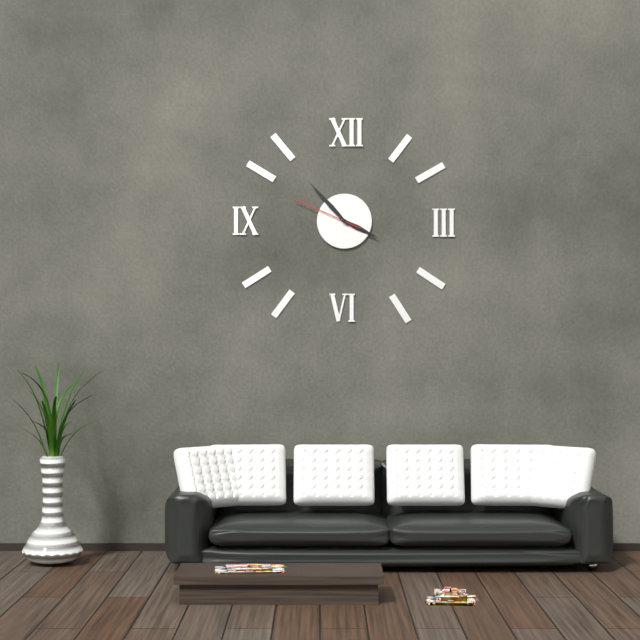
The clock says 3h53m49s
